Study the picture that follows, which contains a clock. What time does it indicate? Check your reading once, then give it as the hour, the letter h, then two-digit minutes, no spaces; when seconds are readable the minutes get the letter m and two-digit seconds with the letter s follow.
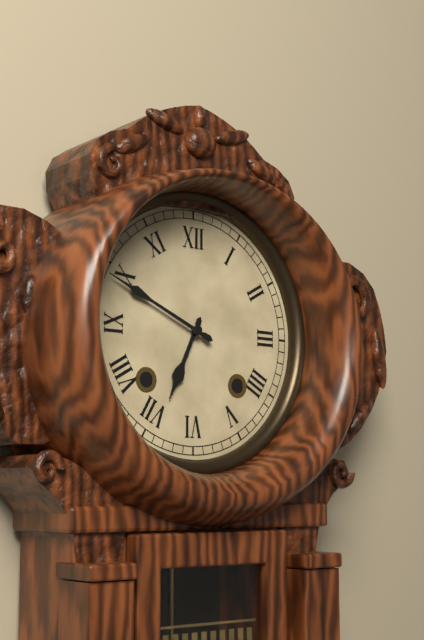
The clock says 6h49
